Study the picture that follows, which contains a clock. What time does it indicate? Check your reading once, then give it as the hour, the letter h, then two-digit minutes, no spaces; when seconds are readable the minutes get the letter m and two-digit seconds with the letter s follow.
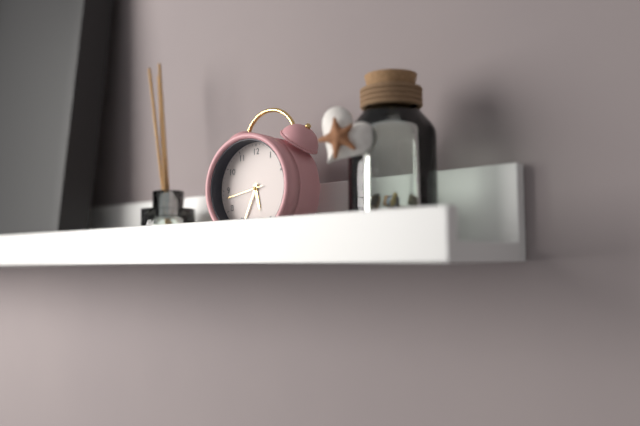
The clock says 5h34
